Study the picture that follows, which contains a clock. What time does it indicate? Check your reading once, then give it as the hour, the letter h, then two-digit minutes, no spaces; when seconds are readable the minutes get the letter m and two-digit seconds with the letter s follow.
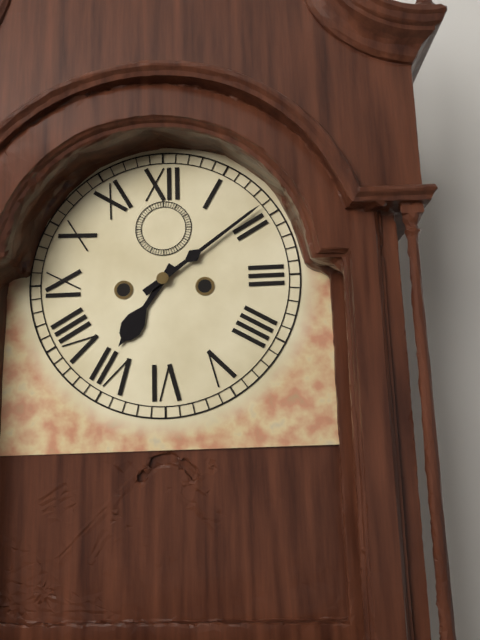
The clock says 7h09
